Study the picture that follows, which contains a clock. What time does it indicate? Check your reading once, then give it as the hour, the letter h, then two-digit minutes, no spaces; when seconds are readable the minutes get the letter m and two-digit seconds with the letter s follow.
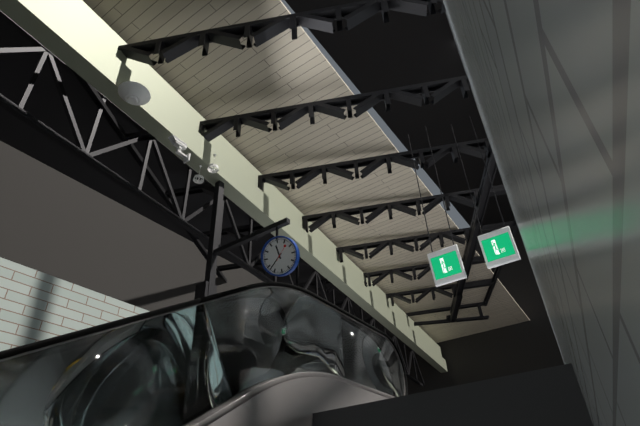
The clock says 11h38
